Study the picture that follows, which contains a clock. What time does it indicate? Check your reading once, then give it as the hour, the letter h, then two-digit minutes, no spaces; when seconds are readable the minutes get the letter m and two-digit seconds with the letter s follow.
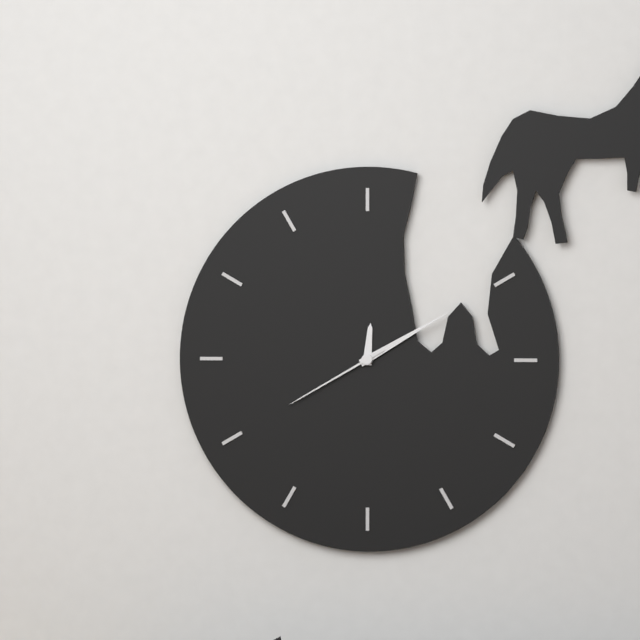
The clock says 12h10m40s
